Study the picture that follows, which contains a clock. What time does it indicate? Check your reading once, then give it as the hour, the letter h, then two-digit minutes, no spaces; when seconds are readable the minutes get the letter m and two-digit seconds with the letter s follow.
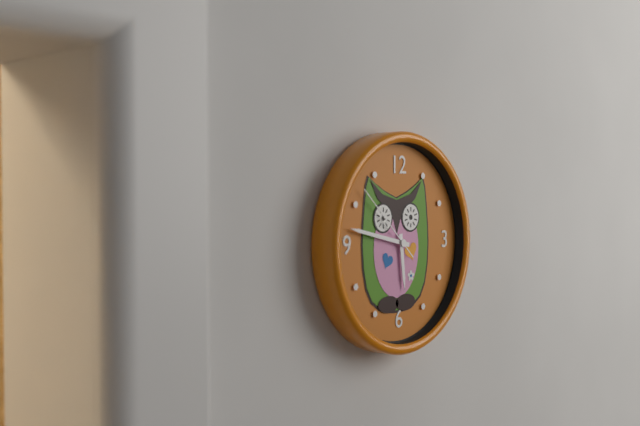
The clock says 5h47m52s
